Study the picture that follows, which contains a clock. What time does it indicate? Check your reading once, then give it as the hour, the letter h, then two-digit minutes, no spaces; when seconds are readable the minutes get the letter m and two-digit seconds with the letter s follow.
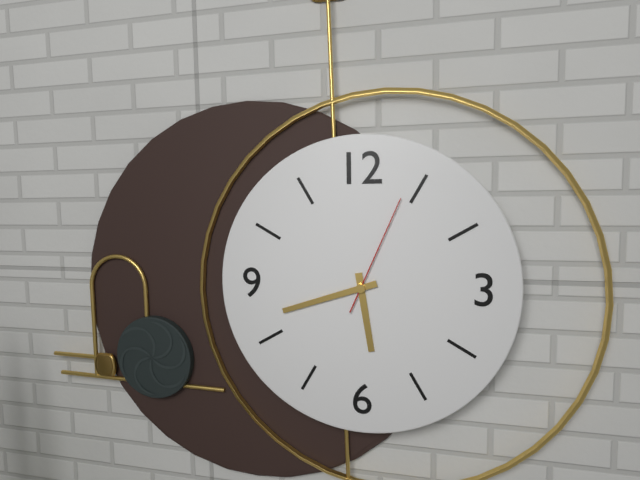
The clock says 5h42m04s
